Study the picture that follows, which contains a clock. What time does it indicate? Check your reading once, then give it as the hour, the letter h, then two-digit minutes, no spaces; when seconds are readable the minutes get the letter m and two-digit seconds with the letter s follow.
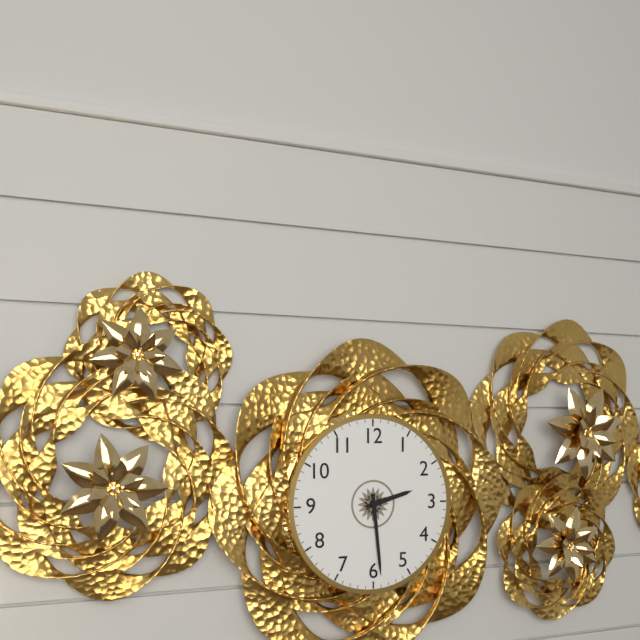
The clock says 2h29
